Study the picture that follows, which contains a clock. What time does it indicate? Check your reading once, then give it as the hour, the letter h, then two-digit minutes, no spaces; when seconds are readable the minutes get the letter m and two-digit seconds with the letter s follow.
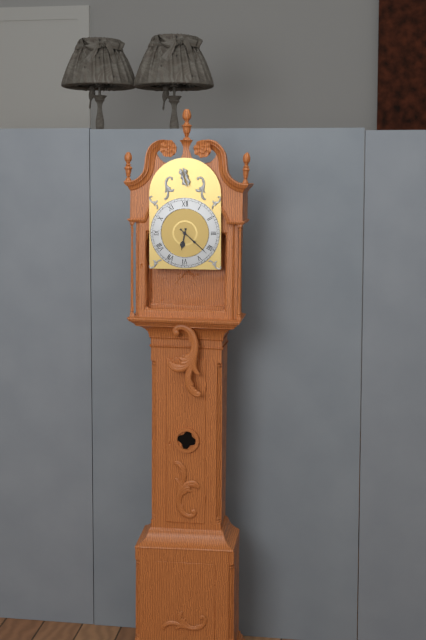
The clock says 6h22
